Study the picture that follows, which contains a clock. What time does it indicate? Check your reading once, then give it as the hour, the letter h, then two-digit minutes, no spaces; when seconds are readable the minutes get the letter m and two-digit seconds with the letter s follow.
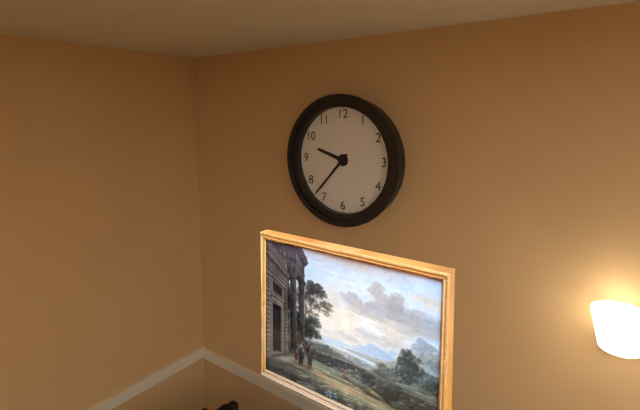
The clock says 9h37
